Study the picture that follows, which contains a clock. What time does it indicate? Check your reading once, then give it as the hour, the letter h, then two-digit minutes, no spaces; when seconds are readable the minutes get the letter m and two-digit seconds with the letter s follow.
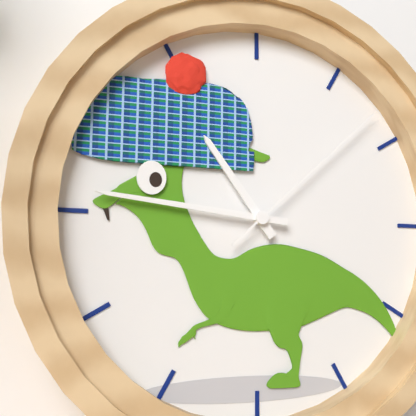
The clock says 10h46m08s
